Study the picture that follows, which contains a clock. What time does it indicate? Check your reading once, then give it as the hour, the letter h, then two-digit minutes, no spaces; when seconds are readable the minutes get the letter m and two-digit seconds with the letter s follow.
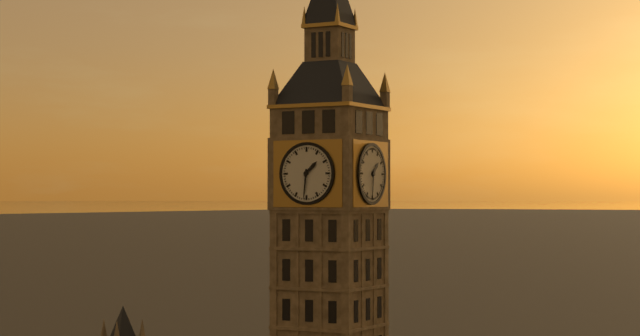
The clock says 1h31
